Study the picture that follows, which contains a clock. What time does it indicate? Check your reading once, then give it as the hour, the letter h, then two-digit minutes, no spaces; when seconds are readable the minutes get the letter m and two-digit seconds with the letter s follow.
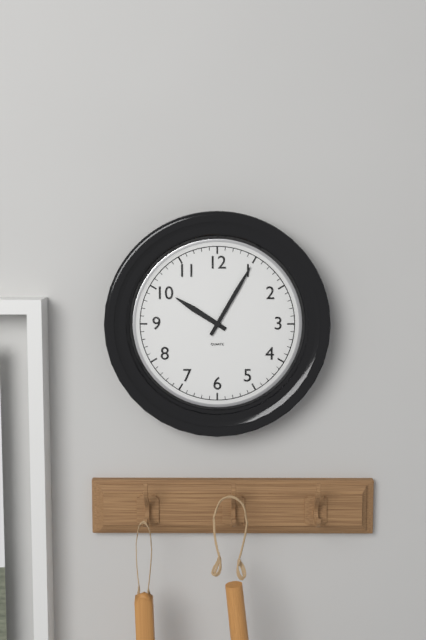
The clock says 10h05
